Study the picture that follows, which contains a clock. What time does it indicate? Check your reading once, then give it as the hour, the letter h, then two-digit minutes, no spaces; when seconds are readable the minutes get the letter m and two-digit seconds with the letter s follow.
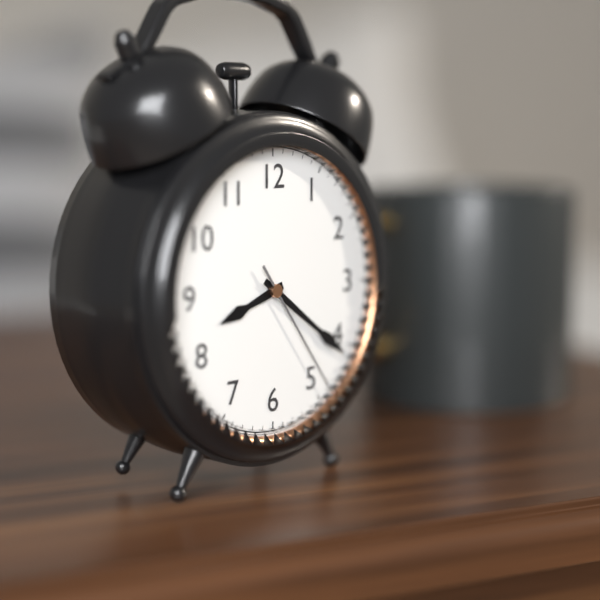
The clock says 8h21m24s
